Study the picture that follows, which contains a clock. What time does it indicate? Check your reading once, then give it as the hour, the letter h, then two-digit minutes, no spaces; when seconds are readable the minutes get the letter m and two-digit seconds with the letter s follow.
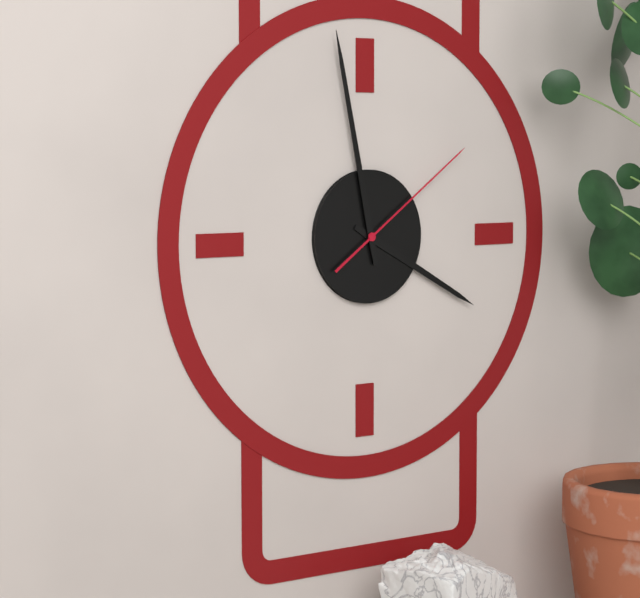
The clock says 3h58m09s
